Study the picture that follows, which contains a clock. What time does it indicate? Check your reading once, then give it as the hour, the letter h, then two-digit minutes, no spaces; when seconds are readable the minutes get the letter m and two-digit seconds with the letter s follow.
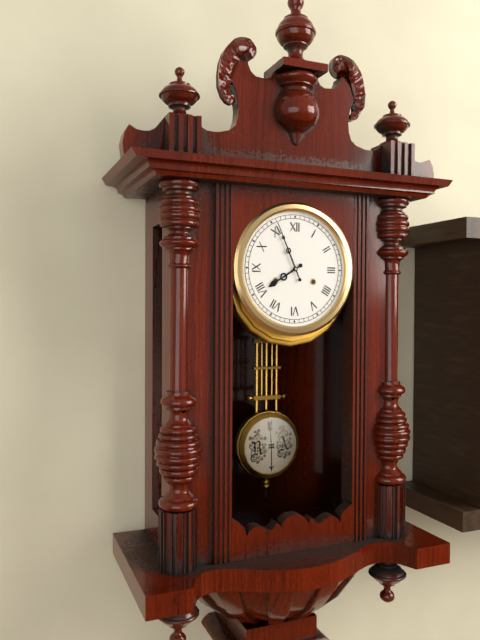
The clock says 7h56
